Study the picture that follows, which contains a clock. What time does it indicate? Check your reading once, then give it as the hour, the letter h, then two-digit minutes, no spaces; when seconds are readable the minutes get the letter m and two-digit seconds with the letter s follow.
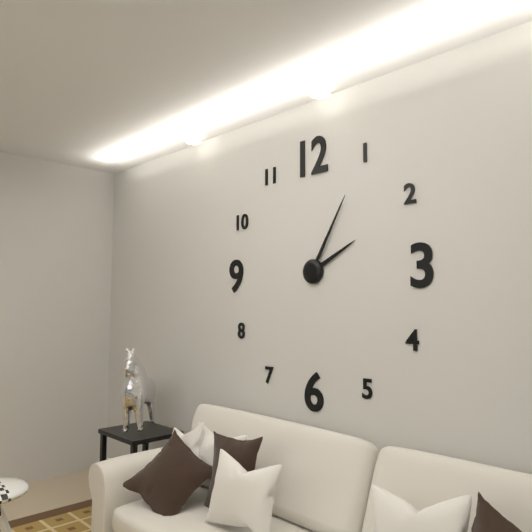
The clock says 2h05
